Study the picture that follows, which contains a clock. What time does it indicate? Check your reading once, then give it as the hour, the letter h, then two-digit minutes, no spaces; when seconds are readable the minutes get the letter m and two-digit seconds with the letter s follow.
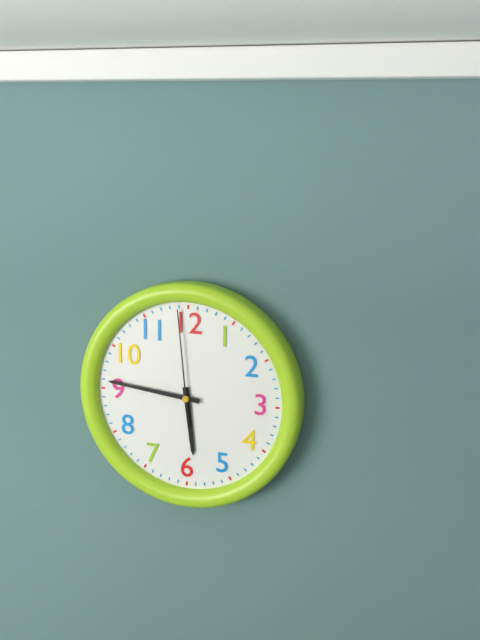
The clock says 5h46m59s
